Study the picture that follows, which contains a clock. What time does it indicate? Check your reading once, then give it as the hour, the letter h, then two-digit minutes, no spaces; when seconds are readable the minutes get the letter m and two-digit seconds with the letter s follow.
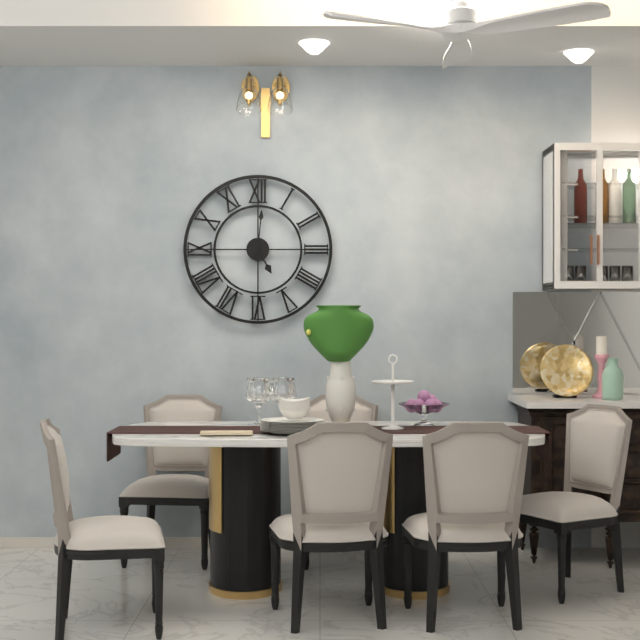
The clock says 5h01
